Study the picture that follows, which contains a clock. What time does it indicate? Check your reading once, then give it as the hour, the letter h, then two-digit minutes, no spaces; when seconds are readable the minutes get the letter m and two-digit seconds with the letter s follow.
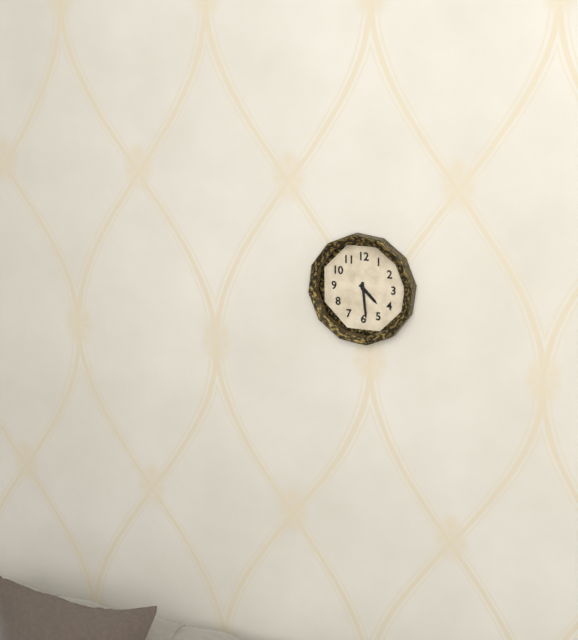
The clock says 4h29
